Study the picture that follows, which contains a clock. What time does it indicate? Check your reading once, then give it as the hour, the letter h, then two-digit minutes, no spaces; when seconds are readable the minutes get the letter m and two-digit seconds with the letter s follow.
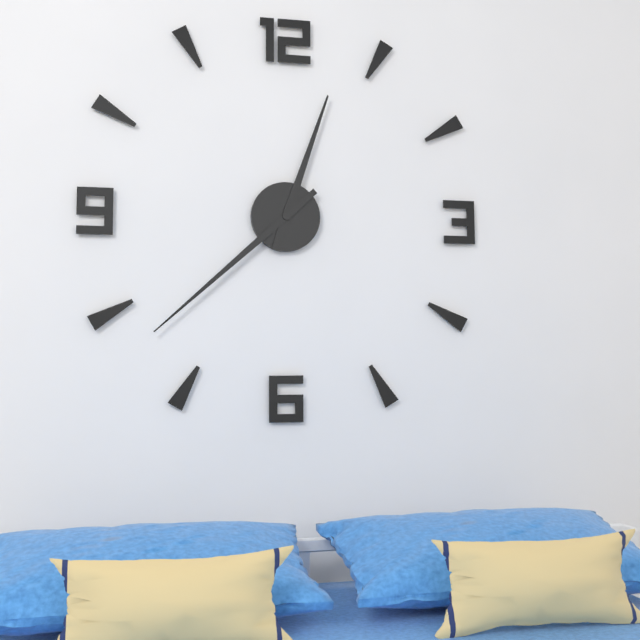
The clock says 12h38
